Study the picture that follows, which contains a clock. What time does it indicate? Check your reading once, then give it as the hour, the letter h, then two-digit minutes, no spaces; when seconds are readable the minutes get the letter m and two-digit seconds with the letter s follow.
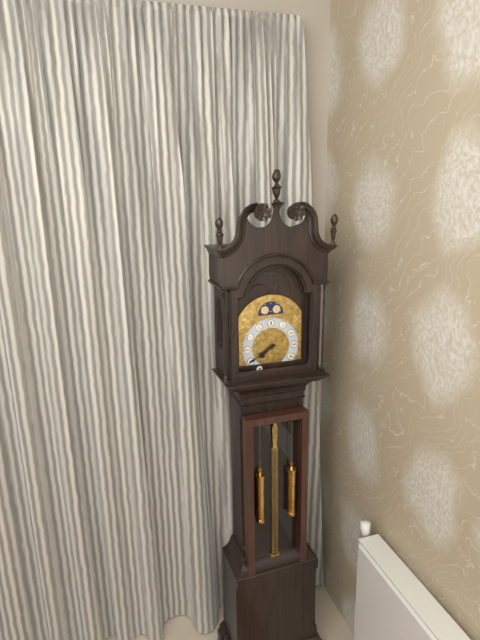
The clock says 7h40
